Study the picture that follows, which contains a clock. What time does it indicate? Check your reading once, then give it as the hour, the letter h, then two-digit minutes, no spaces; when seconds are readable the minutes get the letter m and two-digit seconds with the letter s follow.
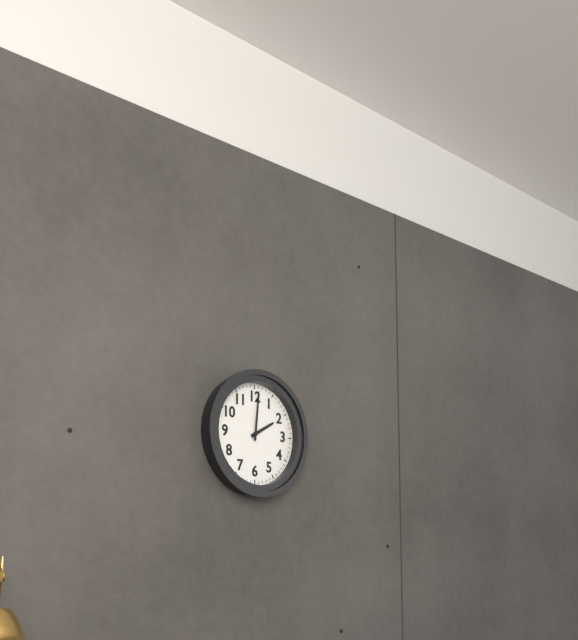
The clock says 2h01
